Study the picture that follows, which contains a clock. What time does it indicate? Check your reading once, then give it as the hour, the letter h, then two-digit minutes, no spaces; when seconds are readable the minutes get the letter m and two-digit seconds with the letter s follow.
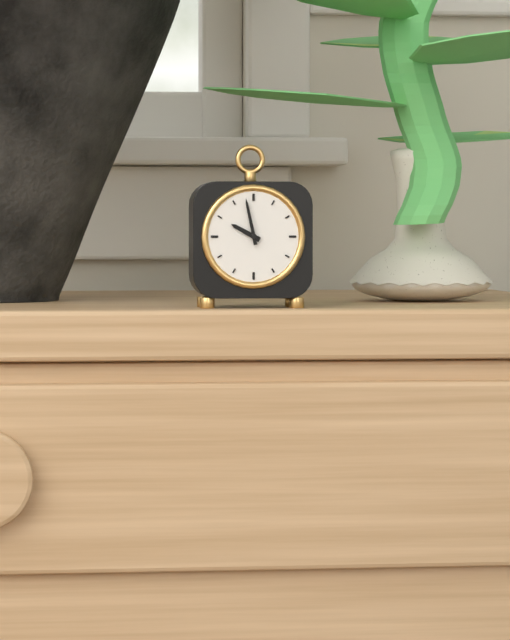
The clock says 9h58
